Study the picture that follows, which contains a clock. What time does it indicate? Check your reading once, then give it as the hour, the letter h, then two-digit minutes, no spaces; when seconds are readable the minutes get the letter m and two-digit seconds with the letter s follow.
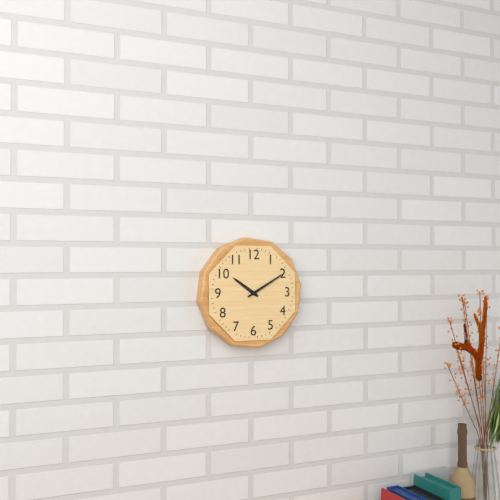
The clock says 10h10
